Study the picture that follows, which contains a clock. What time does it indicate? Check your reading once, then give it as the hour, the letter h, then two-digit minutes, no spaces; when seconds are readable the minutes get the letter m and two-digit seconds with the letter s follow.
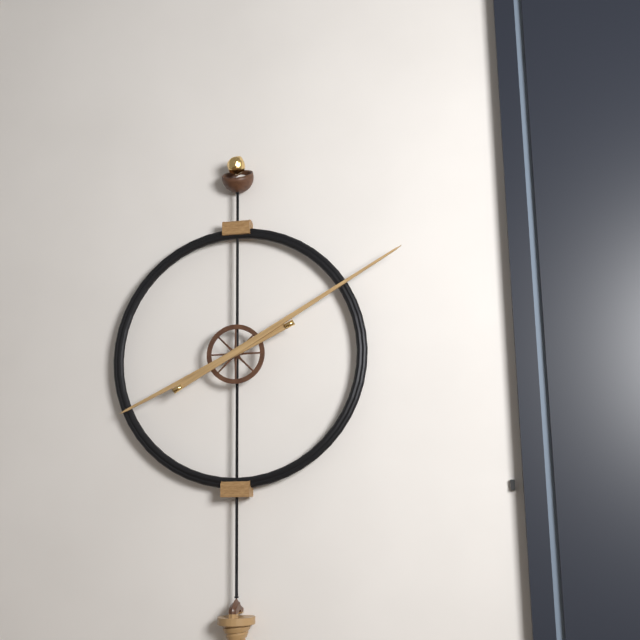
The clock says 8h10
